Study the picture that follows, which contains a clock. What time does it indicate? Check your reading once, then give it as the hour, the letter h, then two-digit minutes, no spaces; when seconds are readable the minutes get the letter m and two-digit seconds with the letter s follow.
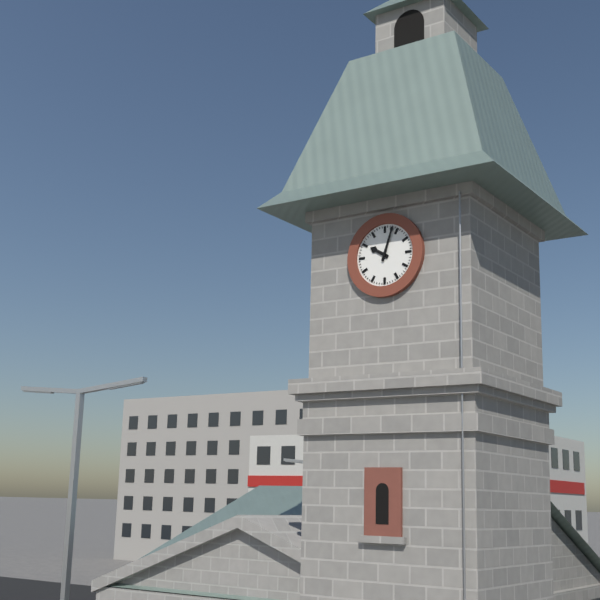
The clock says 10h03
